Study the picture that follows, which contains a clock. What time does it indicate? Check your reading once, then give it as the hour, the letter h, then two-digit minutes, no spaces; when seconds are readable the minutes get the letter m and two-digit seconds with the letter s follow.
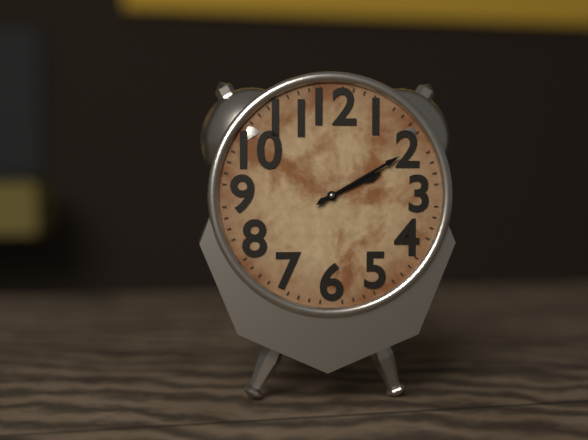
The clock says 2h10
